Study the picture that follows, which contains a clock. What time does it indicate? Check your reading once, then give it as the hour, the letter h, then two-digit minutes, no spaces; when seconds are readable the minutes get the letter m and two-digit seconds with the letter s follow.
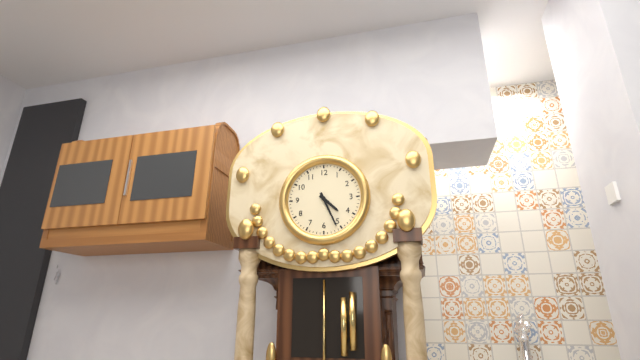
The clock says 4h26
